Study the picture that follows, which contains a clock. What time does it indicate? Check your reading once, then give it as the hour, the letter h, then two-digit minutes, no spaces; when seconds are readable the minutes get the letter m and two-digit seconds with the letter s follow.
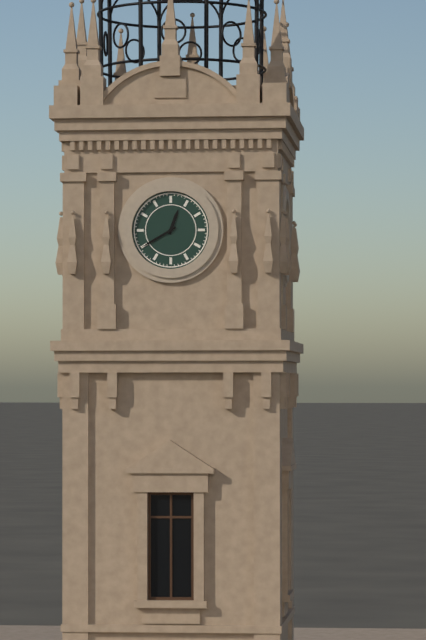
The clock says 12h40
